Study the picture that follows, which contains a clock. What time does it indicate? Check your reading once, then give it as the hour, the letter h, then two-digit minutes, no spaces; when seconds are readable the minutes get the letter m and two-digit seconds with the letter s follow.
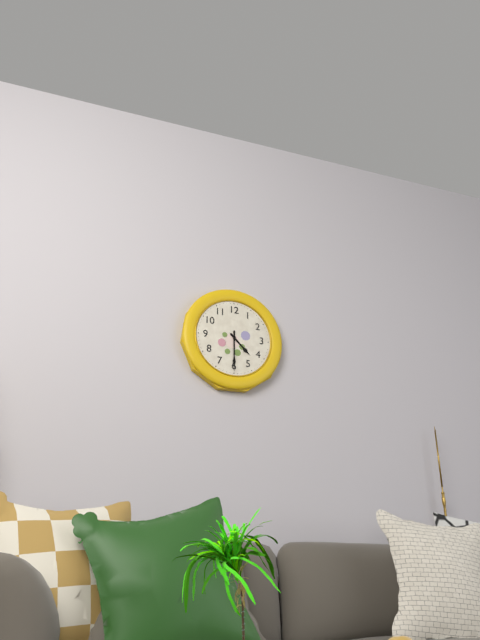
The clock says 4h30
